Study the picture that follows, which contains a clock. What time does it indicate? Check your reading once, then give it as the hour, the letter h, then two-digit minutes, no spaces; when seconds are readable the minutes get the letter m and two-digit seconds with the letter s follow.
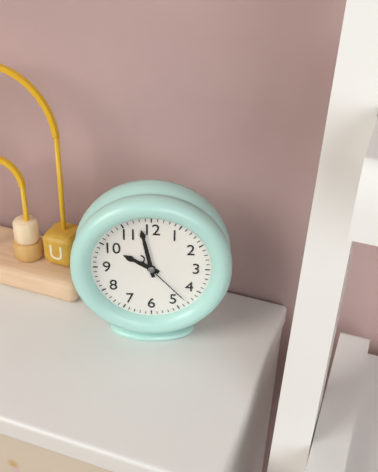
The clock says 9h58m23s
